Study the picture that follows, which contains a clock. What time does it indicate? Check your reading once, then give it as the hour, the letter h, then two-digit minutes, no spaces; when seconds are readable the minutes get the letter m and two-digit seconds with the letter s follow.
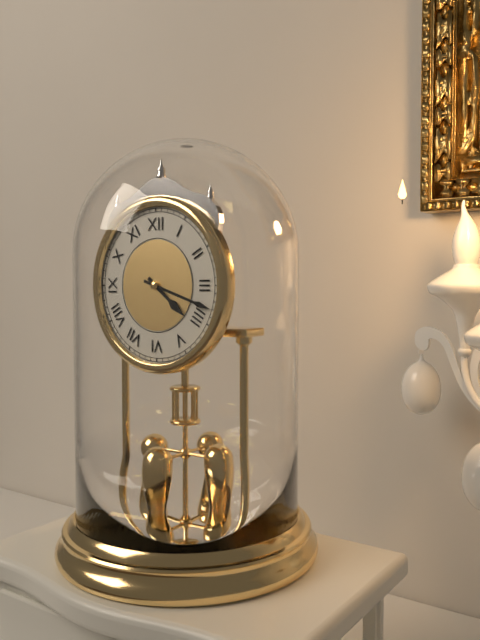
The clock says 4h18
